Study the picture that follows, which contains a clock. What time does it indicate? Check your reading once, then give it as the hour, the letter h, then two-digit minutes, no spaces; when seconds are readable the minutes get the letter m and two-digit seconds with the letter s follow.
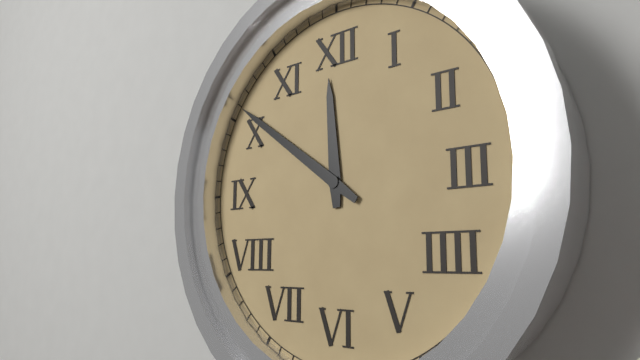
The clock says 11h51
